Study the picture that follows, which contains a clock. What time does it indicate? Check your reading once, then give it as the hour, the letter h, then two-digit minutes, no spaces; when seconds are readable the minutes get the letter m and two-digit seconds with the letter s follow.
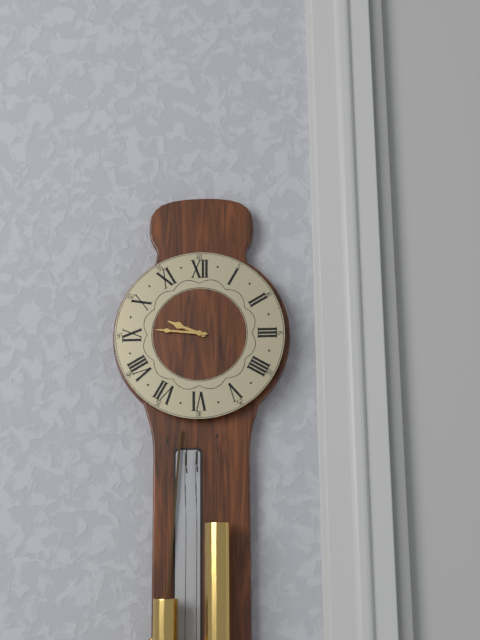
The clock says 9h46
